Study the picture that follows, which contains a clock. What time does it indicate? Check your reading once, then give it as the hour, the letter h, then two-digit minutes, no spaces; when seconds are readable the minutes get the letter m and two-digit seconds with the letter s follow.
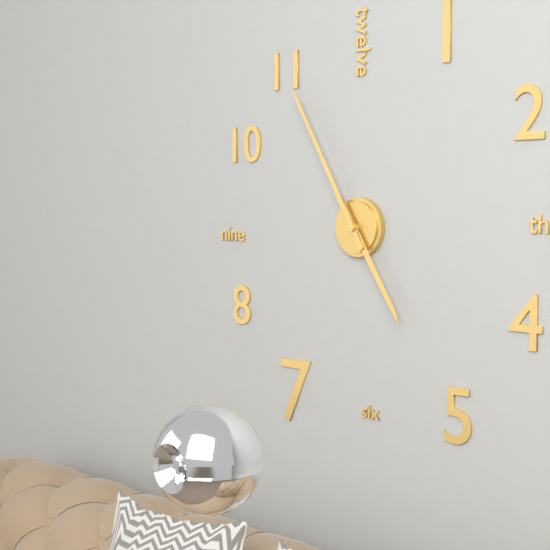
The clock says 4h55
